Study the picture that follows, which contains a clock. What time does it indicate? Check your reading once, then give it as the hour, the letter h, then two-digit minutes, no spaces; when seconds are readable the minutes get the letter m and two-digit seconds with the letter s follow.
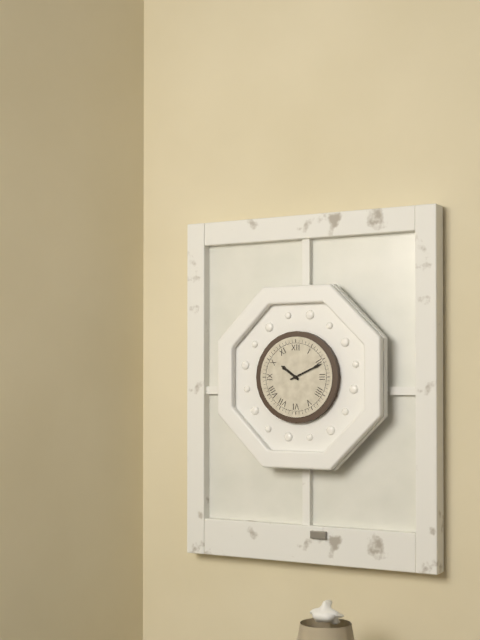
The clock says 10h11
